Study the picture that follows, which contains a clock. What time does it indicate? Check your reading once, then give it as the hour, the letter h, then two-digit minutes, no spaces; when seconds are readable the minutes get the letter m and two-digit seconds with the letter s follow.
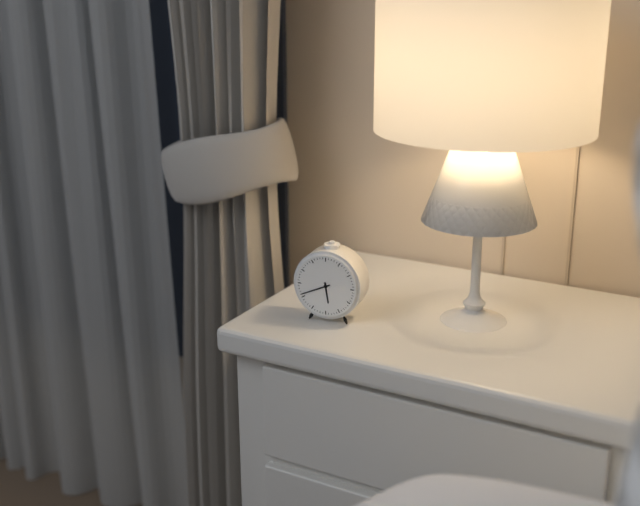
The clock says 5h41
